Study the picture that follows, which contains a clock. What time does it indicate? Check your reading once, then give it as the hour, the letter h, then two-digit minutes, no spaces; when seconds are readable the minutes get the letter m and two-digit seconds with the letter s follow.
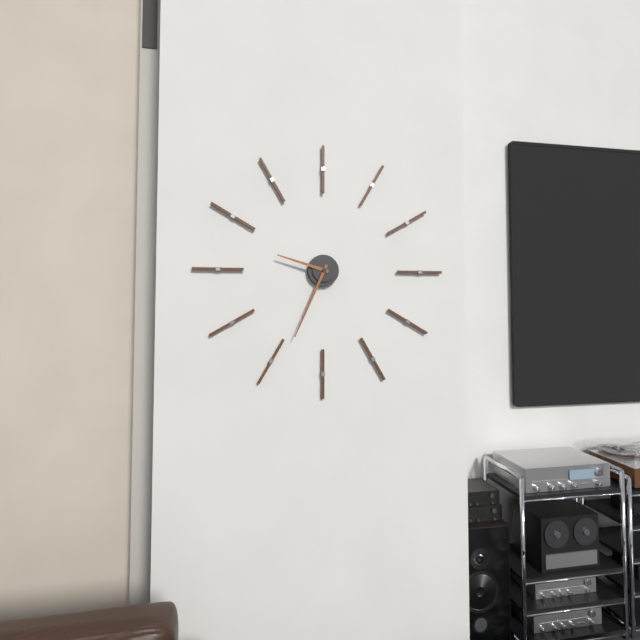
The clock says 9h34
